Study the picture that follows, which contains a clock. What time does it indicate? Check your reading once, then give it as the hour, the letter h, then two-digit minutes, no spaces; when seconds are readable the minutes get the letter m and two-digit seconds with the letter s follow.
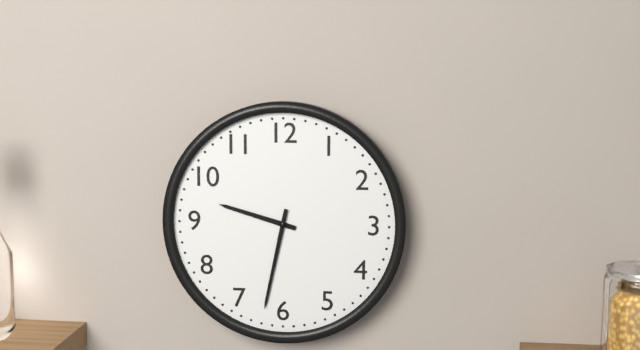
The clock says 9h32
